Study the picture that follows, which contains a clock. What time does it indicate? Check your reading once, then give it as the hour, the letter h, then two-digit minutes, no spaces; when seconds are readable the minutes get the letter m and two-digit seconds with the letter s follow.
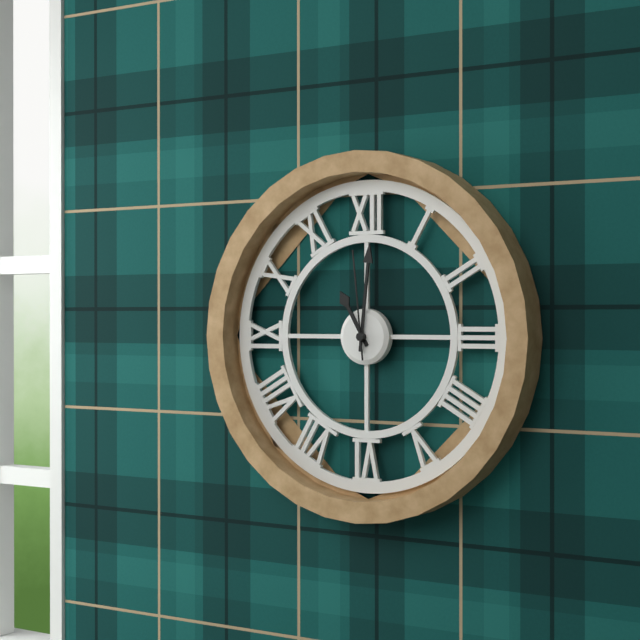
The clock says 11h01m59s
